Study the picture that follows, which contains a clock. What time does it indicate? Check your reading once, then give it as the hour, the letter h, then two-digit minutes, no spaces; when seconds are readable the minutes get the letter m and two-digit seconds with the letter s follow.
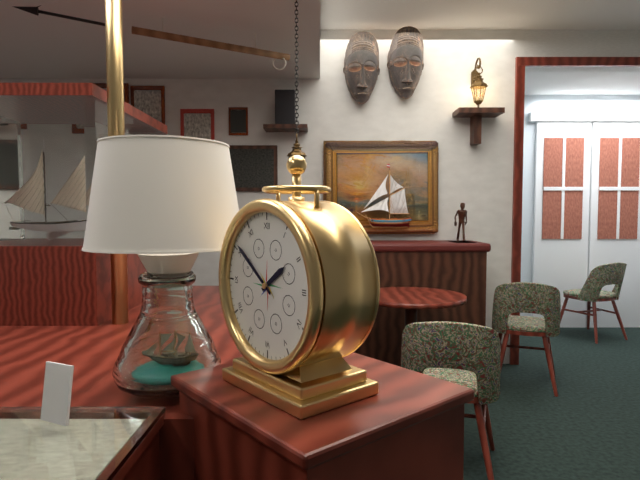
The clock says 1h51
